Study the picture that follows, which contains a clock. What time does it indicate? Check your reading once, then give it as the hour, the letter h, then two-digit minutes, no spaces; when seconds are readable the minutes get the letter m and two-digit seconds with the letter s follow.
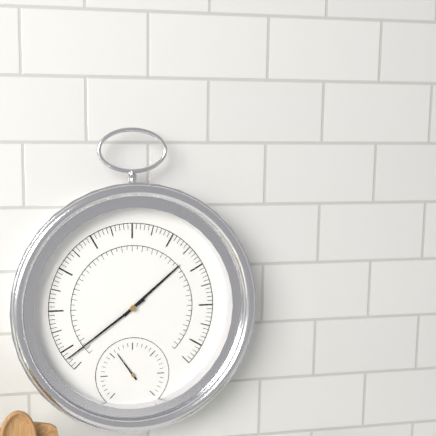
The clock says 1h39
